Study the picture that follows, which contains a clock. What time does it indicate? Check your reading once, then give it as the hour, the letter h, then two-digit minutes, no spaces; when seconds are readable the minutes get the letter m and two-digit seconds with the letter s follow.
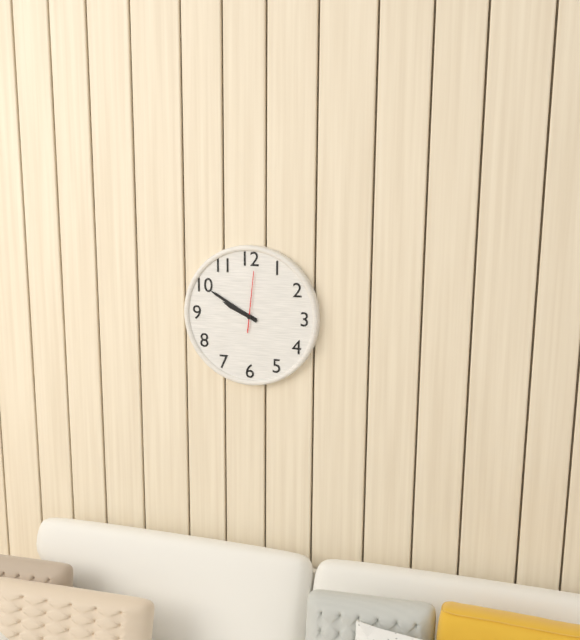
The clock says 9h50m01s
